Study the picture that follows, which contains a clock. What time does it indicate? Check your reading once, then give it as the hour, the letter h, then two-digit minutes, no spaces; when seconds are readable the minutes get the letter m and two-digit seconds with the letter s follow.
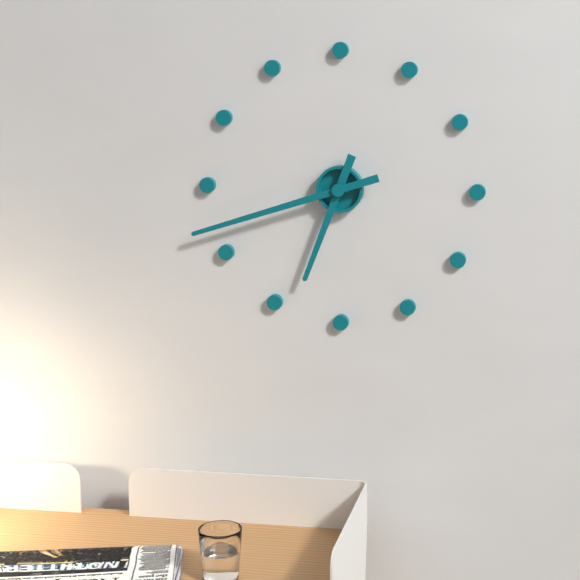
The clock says 6h42
